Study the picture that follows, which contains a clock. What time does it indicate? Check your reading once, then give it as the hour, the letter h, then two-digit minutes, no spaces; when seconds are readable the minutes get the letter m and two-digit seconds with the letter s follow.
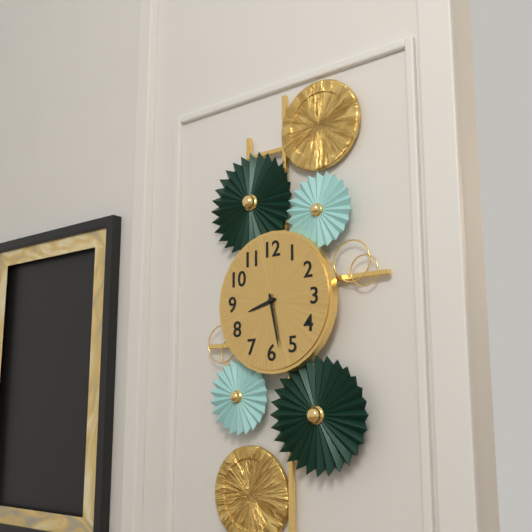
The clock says 8h28
